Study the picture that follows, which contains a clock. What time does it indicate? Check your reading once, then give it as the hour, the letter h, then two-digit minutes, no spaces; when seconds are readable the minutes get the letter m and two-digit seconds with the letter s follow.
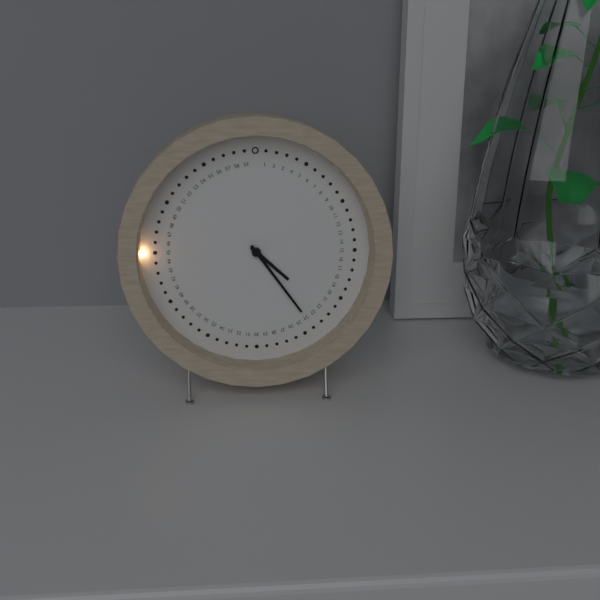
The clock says 4h24
